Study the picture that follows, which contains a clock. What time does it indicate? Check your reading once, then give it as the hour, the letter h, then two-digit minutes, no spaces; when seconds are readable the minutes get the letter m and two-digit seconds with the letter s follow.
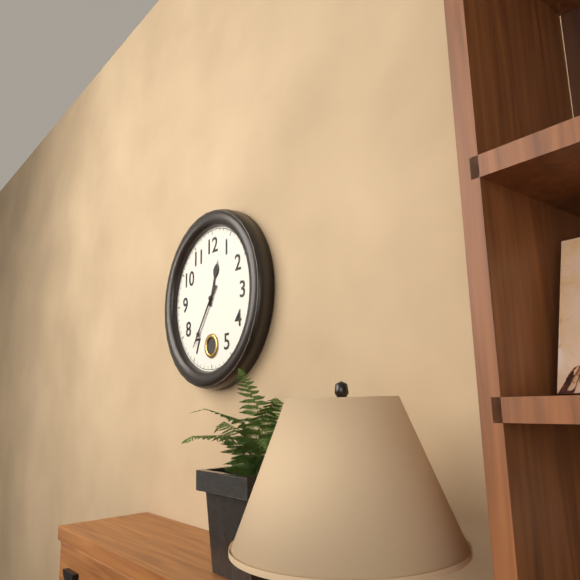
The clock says 12h36
